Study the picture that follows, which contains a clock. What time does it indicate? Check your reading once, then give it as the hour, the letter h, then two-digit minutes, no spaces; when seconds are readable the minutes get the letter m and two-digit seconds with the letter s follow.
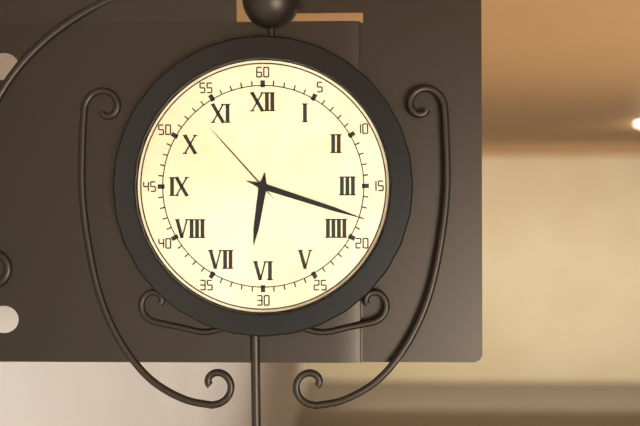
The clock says 6h18m53s
